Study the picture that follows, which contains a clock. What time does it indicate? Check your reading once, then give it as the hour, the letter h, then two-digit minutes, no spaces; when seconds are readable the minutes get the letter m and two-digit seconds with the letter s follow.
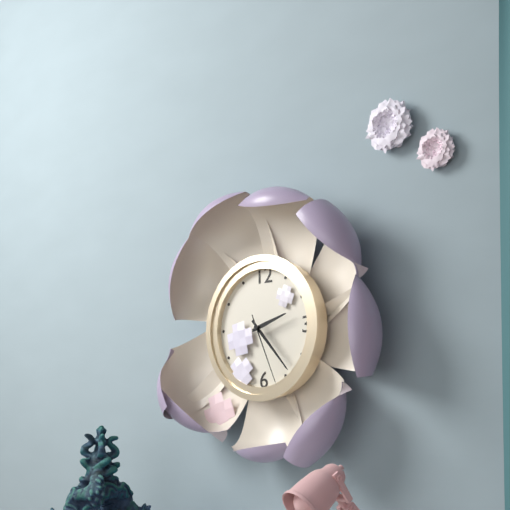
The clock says 2h23m26s
